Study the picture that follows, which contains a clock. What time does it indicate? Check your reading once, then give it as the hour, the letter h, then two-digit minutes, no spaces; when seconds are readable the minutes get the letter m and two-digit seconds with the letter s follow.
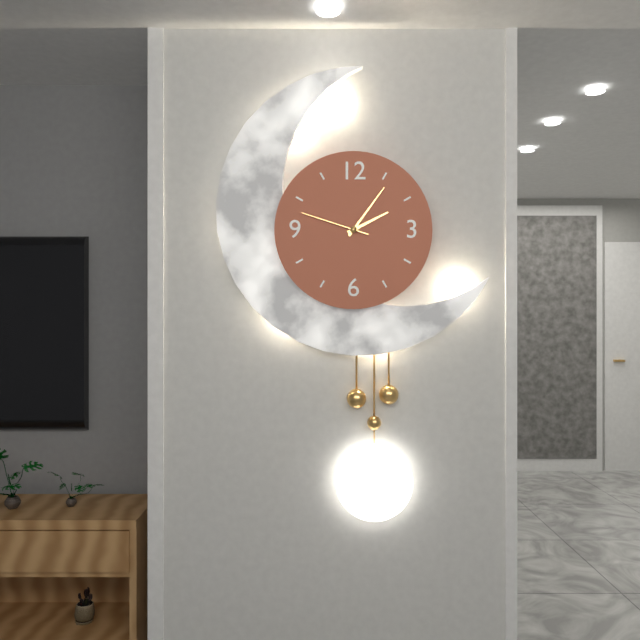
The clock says 2h06m48s
